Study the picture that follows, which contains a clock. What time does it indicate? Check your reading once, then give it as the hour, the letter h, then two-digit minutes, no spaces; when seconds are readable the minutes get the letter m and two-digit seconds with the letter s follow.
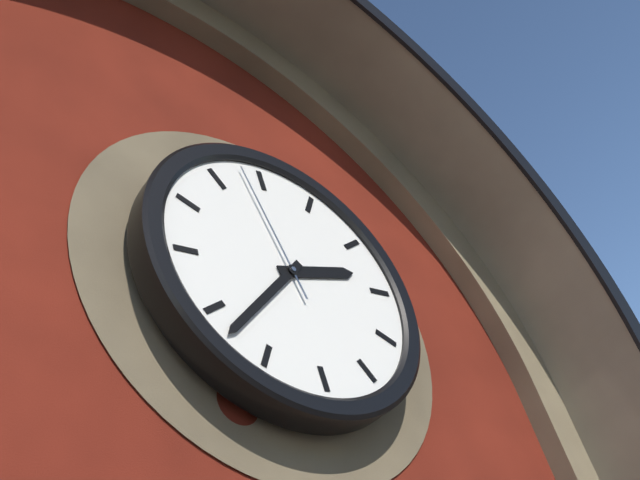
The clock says 2h38m58s
